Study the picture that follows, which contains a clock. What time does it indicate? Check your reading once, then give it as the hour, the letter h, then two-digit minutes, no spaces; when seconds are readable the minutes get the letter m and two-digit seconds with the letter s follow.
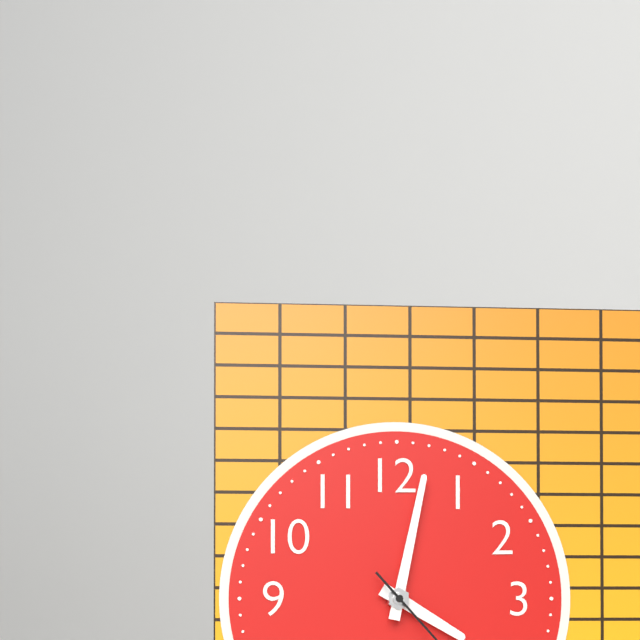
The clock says 4h02
